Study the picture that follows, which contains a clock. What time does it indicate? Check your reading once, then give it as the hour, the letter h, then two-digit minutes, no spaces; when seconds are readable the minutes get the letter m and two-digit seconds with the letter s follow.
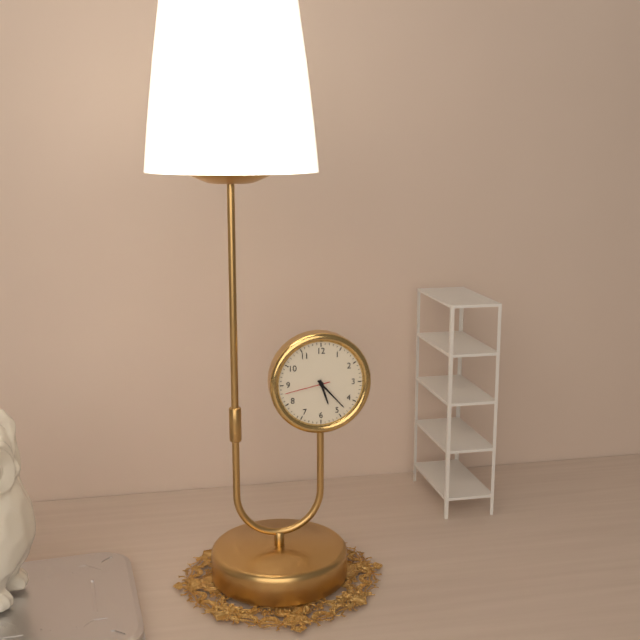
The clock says 5h23
